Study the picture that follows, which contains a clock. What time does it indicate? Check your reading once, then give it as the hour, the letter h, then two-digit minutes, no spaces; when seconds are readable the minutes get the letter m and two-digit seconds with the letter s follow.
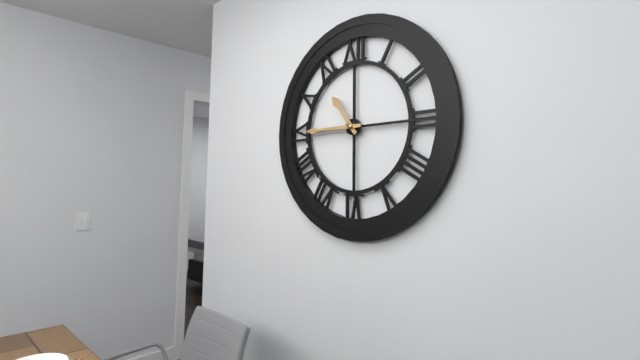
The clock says 10h45
